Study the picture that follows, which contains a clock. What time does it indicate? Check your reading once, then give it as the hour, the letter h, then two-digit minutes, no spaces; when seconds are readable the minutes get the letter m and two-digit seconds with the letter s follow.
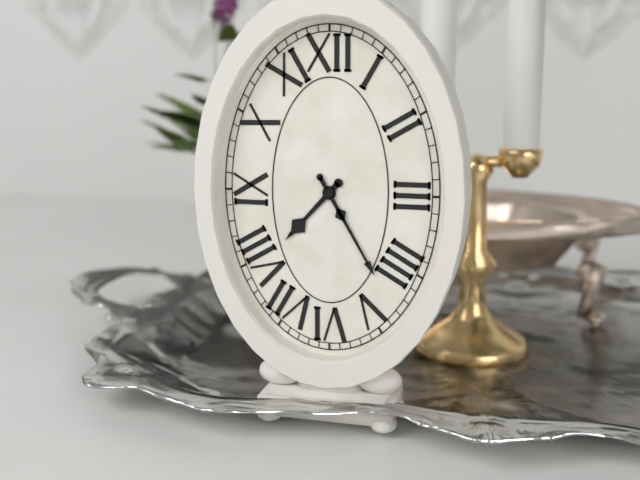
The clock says 7h25
